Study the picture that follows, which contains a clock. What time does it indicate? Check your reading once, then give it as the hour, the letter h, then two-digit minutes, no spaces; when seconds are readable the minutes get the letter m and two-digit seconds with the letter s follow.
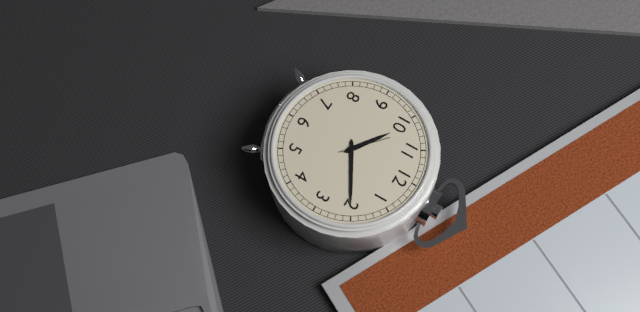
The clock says 10h10m52s
